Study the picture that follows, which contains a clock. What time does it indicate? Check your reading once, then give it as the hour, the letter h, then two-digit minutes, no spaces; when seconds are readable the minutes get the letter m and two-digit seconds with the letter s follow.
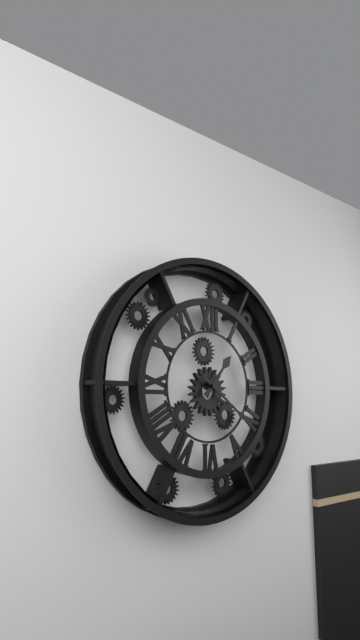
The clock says 1h21
